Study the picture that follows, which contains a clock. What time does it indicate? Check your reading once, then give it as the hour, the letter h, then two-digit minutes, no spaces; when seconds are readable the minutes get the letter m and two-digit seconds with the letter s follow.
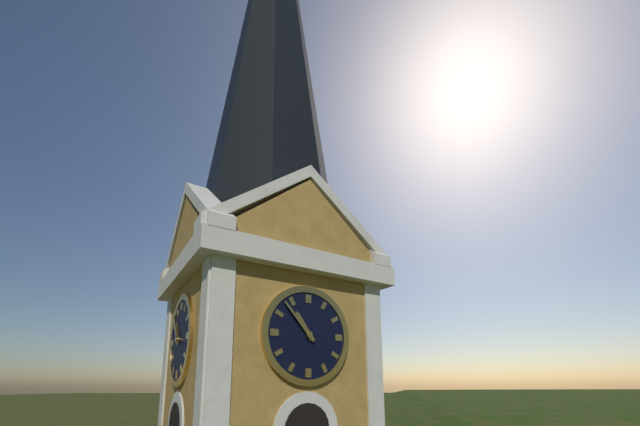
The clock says 10h53
